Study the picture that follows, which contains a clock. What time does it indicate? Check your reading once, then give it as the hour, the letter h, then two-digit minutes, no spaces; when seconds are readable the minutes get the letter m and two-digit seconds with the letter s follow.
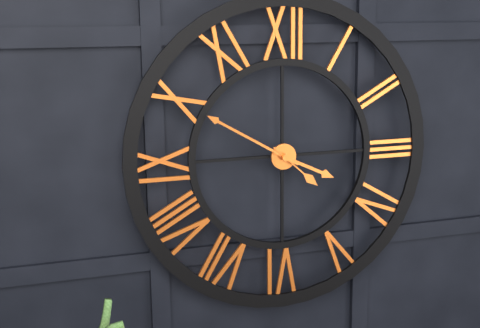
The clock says 3h50m22s
